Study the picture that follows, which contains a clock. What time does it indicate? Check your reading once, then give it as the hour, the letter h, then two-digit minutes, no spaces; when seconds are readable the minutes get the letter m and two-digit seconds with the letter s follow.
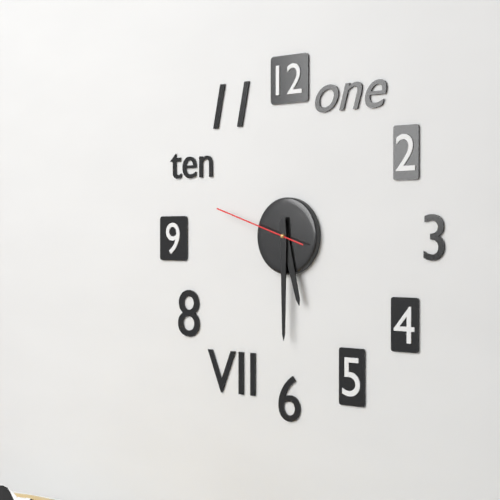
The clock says 5h30m48s
